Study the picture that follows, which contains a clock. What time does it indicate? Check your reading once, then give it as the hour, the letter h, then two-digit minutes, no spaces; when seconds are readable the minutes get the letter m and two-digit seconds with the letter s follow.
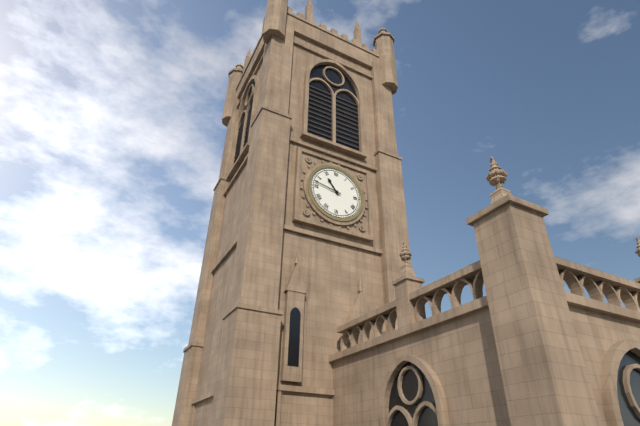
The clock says 10h47
